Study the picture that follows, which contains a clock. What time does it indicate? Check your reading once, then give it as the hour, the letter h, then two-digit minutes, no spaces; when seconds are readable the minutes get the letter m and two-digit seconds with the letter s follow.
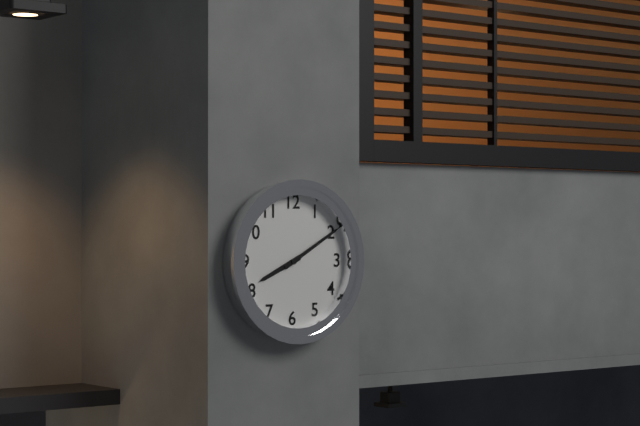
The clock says 8h10
